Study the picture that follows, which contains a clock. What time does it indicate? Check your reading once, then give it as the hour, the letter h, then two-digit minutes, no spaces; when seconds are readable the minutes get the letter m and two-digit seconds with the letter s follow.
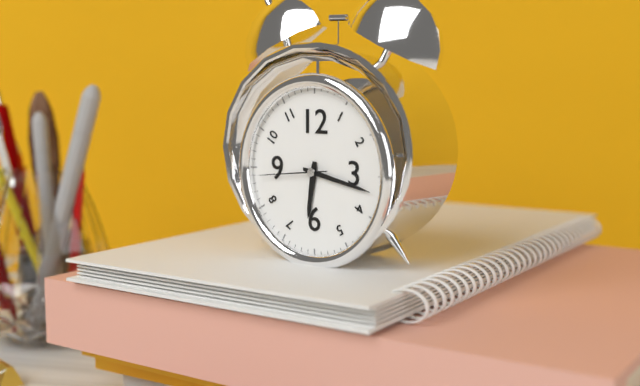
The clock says 6h17m44s
